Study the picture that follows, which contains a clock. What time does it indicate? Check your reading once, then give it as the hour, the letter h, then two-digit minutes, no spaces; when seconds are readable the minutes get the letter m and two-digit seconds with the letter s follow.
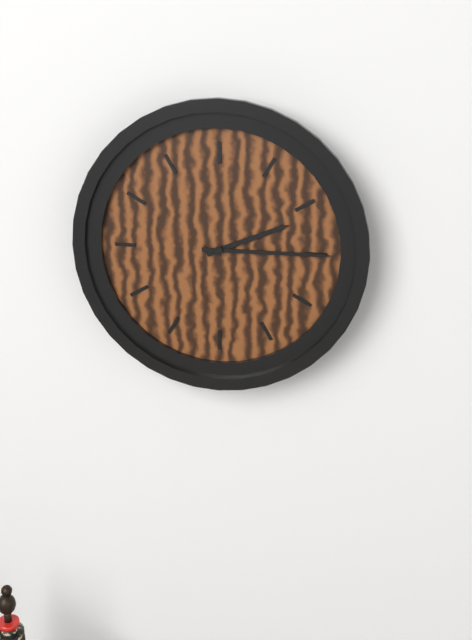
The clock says 2h15
